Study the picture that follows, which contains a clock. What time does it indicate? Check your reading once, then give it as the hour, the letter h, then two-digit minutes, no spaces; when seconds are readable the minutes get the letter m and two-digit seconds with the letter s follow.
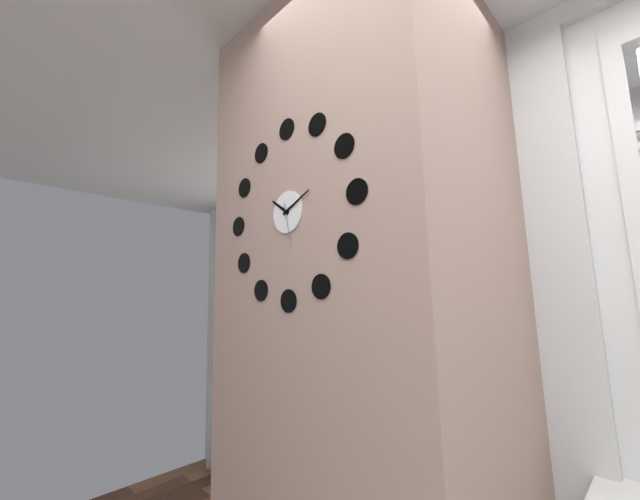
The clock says 10h11
